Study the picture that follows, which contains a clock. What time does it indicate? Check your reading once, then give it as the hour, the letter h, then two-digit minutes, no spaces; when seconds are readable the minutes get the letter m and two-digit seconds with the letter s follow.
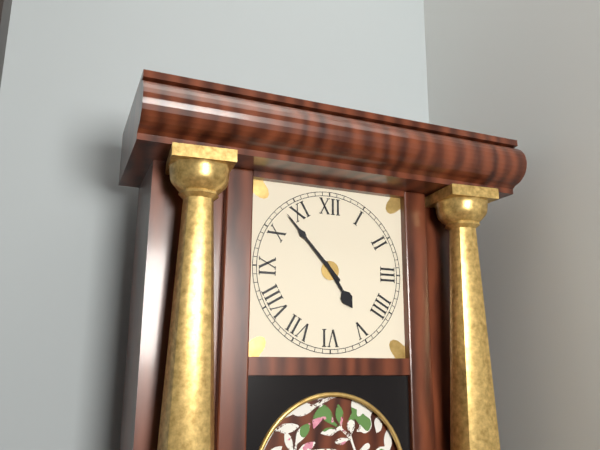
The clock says 4h53
